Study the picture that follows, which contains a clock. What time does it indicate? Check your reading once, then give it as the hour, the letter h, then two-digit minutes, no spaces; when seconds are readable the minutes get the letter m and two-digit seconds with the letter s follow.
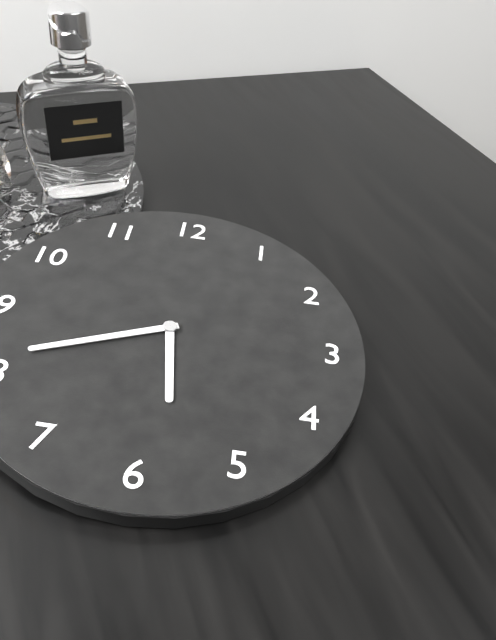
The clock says 5h41
